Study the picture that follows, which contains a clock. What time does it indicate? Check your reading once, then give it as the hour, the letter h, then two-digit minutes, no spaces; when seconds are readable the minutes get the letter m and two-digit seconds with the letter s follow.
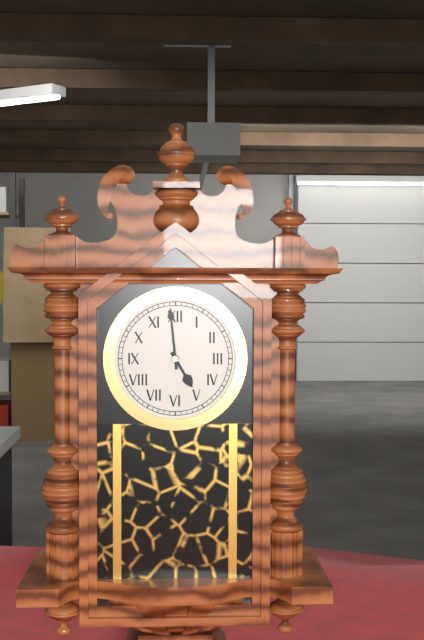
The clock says 4h59
